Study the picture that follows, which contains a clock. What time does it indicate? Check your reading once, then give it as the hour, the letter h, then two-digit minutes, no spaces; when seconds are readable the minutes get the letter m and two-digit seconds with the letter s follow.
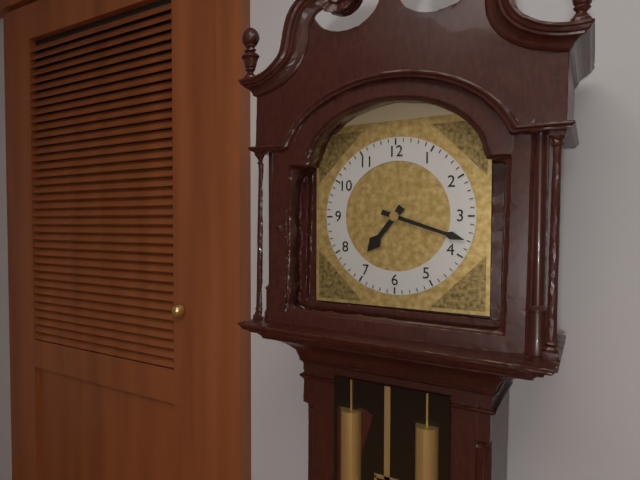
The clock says 7h18
